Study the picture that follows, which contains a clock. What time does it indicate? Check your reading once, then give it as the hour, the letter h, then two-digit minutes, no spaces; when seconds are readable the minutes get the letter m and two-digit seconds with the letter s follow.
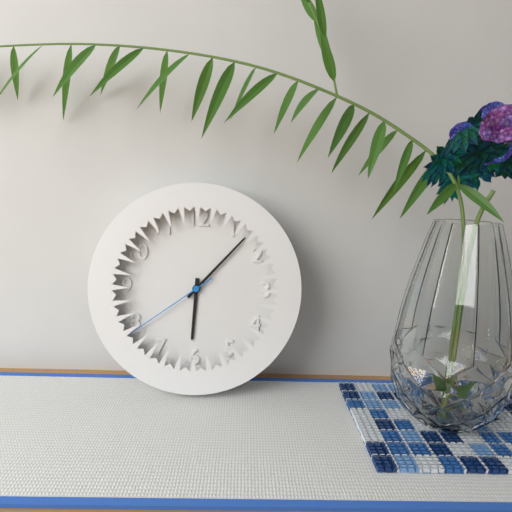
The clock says 6h07m39s
